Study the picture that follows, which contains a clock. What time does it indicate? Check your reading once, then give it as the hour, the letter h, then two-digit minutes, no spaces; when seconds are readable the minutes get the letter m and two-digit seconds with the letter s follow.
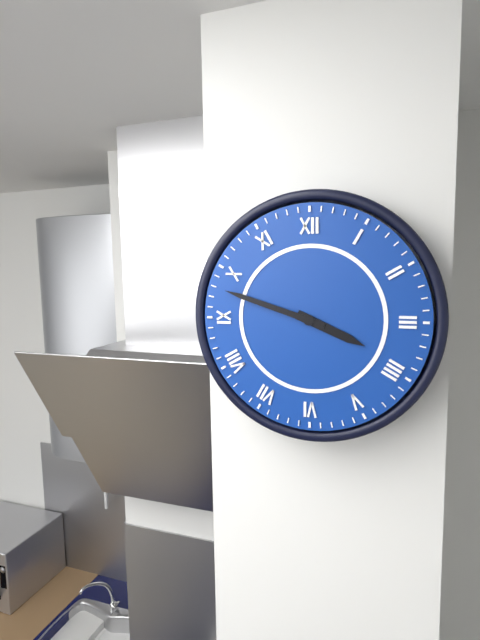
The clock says 3h48
